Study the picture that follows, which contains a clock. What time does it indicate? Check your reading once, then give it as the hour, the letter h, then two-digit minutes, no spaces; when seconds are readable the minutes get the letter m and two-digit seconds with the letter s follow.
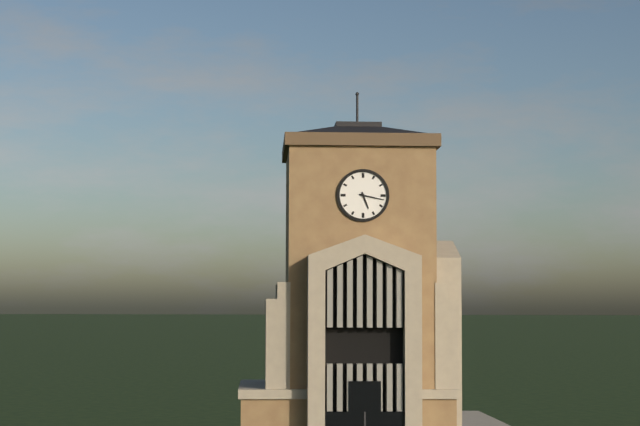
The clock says 5h17
